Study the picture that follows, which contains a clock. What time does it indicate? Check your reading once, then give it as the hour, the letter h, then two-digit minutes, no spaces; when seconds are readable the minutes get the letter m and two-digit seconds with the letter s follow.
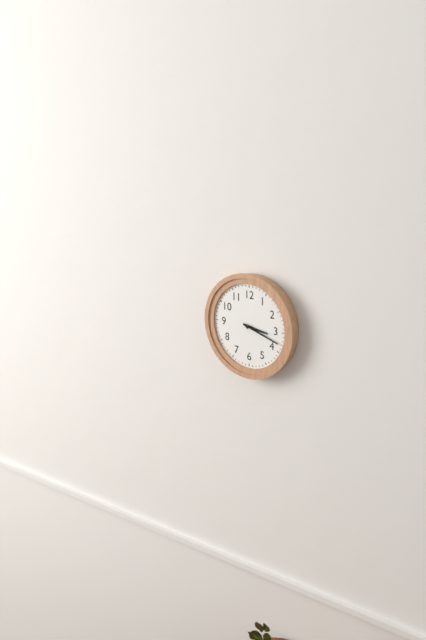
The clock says 3h18
